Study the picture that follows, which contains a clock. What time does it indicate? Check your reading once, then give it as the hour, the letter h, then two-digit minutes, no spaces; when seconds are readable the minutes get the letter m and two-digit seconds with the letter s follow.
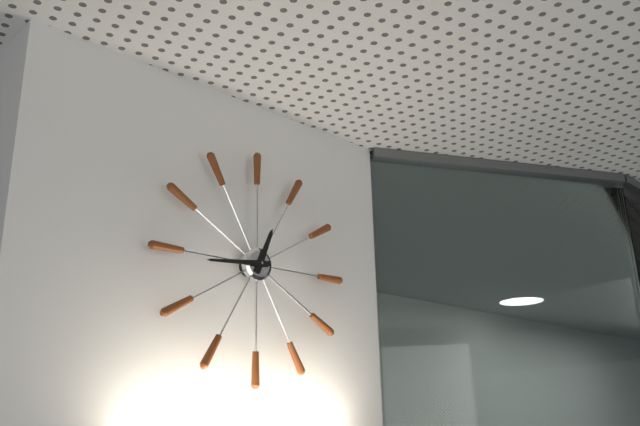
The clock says 12h44
